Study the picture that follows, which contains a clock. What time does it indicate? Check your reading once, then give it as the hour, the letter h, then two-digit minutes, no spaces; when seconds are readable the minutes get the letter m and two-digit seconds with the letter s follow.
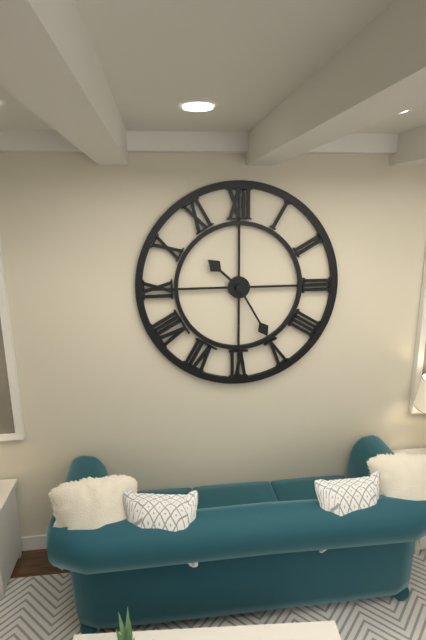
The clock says 10h25
